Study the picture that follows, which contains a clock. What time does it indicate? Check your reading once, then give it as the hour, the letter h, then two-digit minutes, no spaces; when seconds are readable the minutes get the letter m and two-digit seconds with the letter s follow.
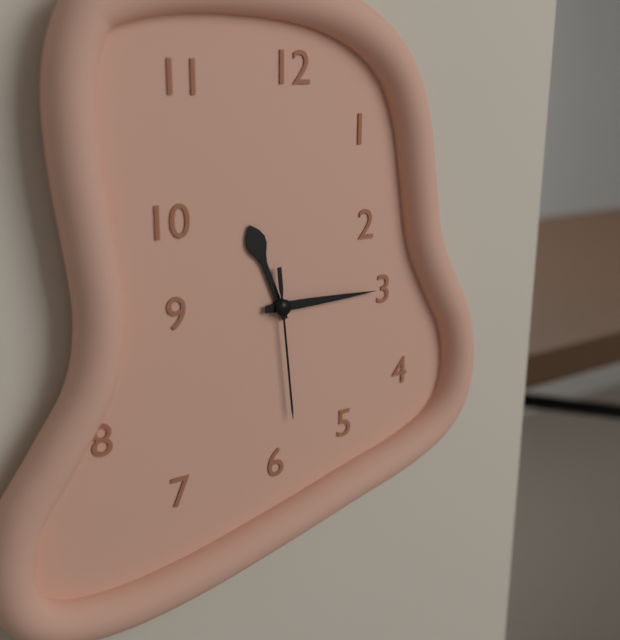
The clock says 11h15m29s
